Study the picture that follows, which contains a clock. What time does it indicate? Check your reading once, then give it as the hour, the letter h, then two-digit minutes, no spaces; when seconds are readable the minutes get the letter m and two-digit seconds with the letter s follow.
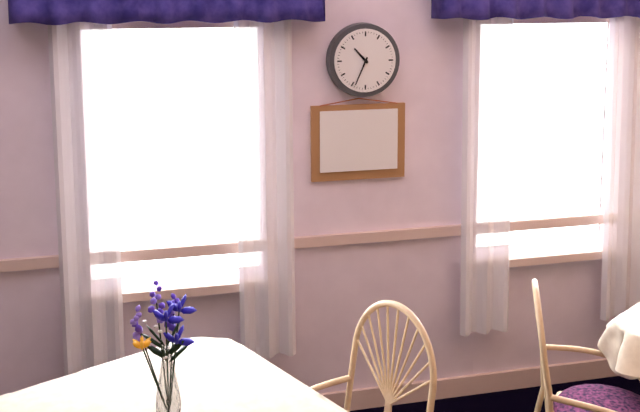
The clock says 10h34
